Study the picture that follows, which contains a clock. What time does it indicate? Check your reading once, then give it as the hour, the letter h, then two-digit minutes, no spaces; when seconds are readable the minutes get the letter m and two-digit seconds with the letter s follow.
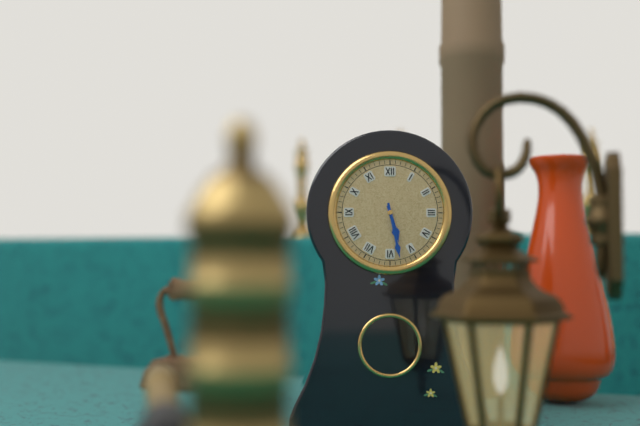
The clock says 5h28
